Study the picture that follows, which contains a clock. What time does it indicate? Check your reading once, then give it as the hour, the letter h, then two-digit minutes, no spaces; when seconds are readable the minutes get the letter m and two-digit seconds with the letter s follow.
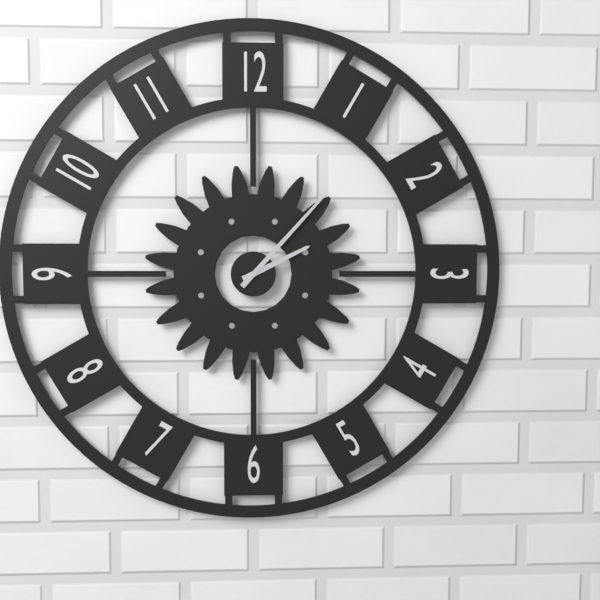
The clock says 2h07
